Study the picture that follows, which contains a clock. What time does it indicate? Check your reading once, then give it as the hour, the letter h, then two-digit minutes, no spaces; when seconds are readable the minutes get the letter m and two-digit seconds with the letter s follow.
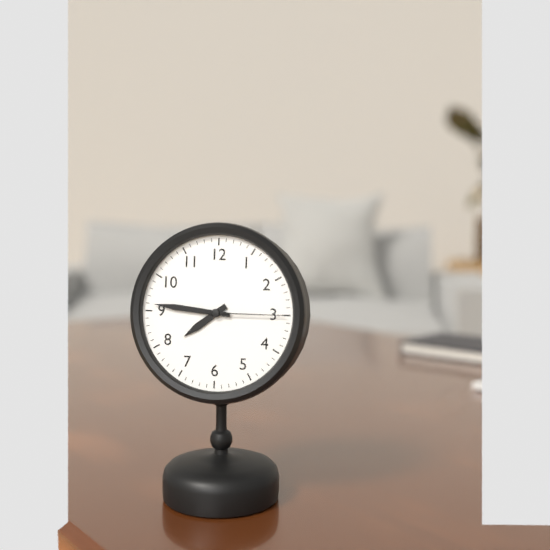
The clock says 7h46m15s
